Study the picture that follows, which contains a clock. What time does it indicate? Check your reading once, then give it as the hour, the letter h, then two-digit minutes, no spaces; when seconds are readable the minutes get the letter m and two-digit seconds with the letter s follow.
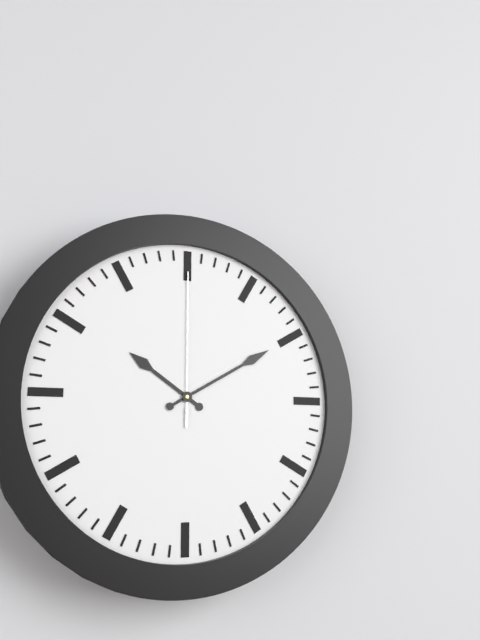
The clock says 10h10m00s
